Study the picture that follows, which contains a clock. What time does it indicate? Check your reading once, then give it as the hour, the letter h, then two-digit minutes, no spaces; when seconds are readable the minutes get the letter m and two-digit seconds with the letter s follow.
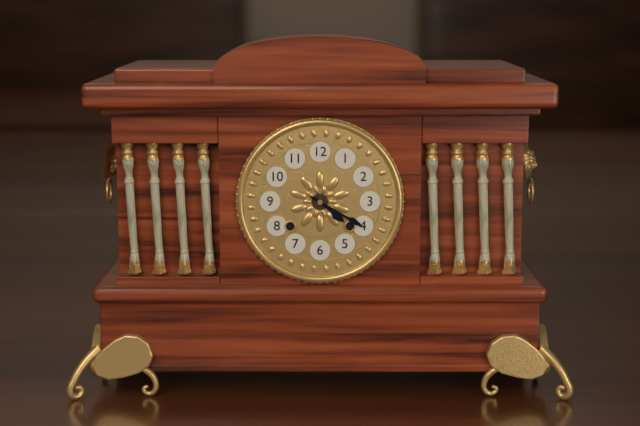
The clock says 4h20
